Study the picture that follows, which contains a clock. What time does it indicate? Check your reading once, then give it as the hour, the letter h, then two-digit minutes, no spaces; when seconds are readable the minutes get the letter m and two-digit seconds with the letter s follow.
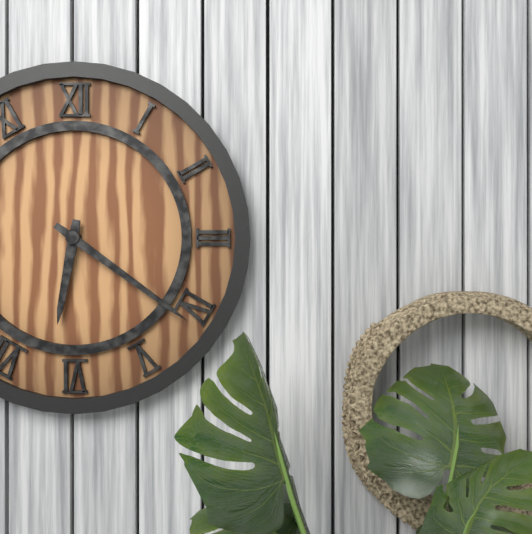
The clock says 6h21
